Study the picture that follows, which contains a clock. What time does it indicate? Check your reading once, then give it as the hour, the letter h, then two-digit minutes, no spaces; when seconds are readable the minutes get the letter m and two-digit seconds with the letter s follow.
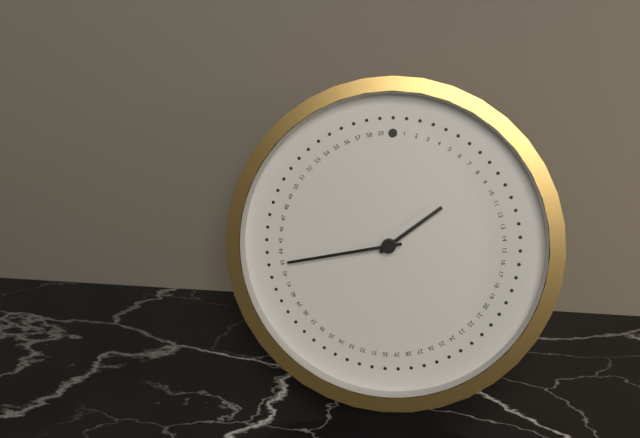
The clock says 1h43
